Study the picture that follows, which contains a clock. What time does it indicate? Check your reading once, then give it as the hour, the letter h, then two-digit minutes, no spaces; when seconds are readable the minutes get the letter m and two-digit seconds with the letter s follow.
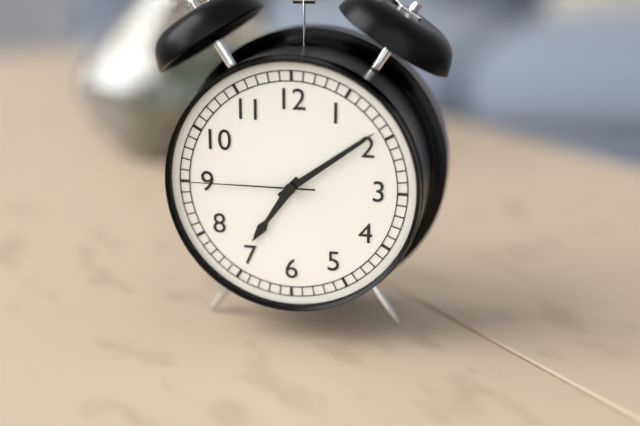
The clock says 7h09m45s
